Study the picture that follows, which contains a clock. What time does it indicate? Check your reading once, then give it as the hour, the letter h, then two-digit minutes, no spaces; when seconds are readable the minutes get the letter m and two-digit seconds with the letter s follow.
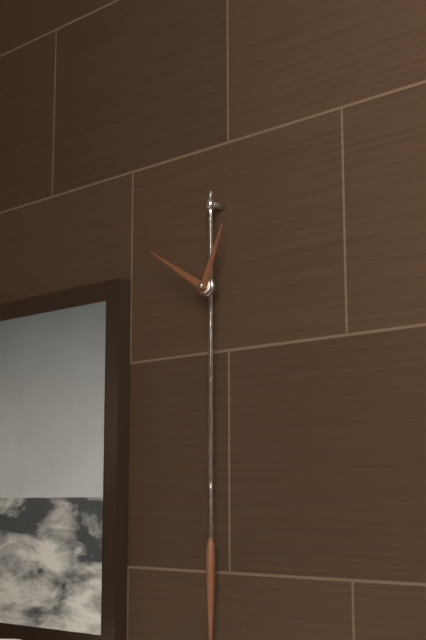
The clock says 12h50
